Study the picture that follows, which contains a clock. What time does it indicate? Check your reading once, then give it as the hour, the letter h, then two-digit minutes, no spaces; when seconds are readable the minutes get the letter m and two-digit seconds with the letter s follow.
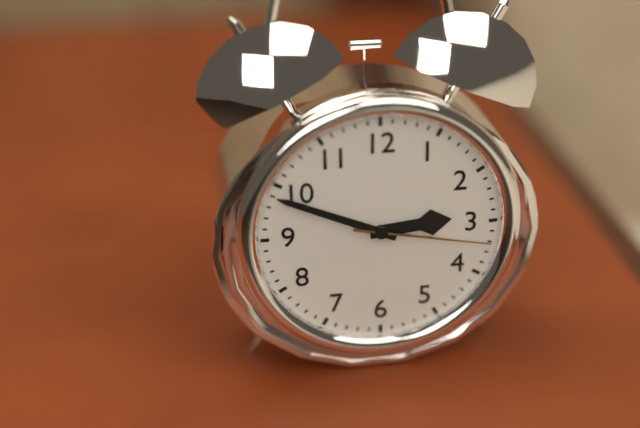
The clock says 2h49m17s
